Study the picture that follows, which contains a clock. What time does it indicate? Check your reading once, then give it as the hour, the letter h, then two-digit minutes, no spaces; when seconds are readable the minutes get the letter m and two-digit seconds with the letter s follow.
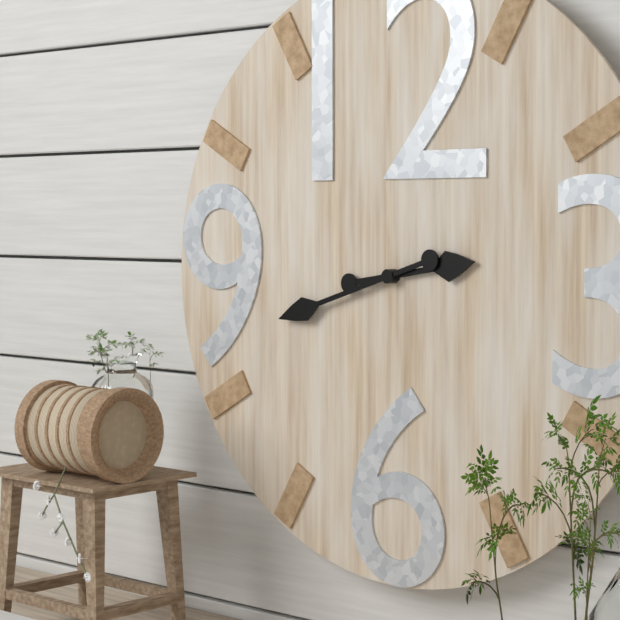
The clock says 2h42
